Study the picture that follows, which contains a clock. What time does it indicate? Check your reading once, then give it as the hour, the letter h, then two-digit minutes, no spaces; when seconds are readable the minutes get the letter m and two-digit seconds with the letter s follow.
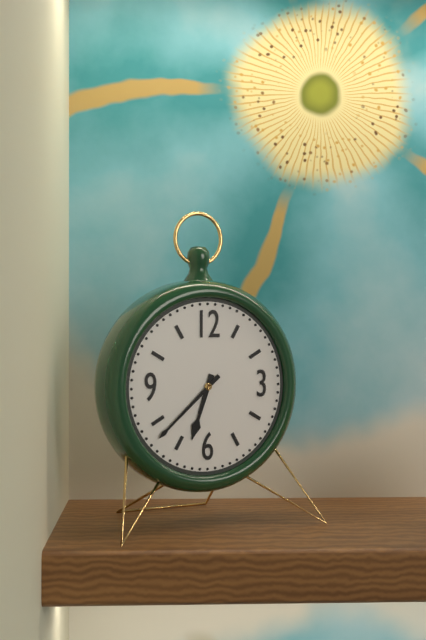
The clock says 6h38
